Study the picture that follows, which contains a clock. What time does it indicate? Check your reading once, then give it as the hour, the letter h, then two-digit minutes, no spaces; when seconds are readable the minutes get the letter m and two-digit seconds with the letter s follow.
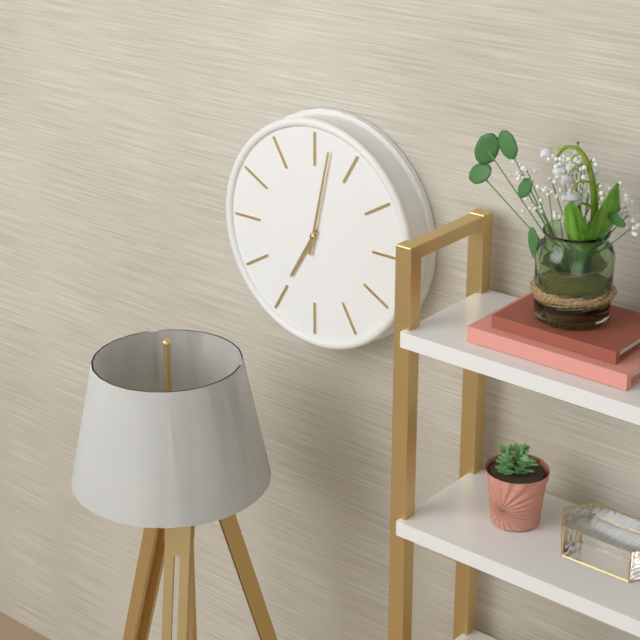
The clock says 7h02
